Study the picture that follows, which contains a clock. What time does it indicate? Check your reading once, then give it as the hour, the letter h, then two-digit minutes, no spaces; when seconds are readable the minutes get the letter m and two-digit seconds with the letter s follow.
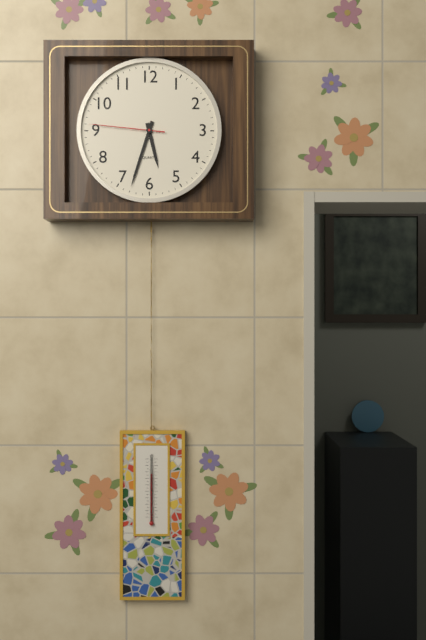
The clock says 5h33m46s
